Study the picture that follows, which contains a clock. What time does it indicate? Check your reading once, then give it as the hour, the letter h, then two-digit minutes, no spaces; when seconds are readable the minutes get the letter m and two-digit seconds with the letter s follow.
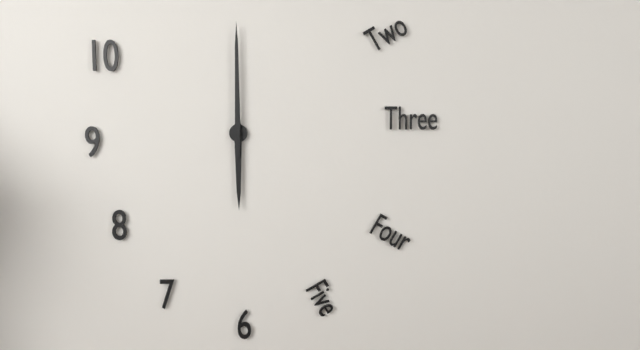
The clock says 6h00
